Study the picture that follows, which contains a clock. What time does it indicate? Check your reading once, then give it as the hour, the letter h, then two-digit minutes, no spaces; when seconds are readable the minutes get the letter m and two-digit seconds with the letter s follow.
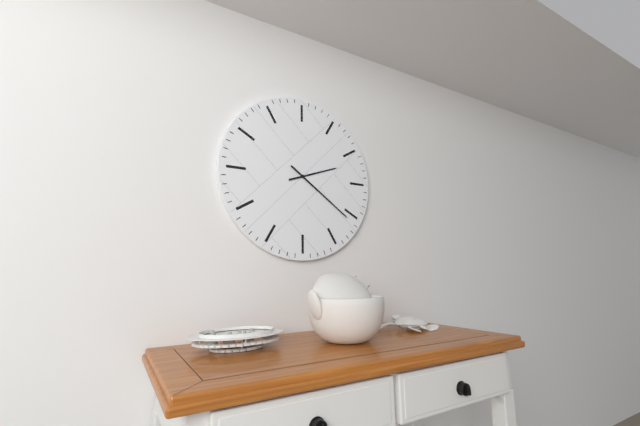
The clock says 2h21
